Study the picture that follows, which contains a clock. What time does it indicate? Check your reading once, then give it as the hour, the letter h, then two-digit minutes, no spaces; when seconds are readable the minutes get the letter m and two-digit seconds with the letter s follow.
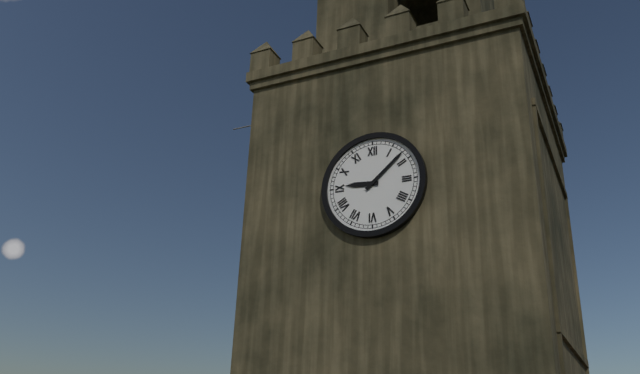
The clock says 9h08
